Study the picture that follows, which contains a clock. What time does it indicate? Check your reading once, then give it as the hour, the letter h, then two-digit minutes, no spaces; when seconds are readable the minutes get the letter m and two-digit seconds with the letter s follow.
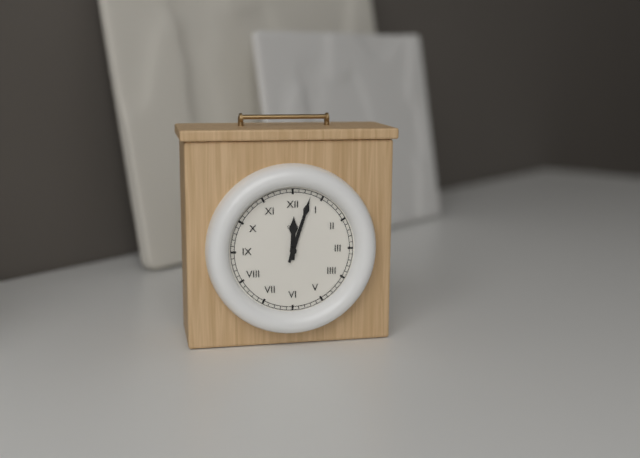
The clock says 12h03
